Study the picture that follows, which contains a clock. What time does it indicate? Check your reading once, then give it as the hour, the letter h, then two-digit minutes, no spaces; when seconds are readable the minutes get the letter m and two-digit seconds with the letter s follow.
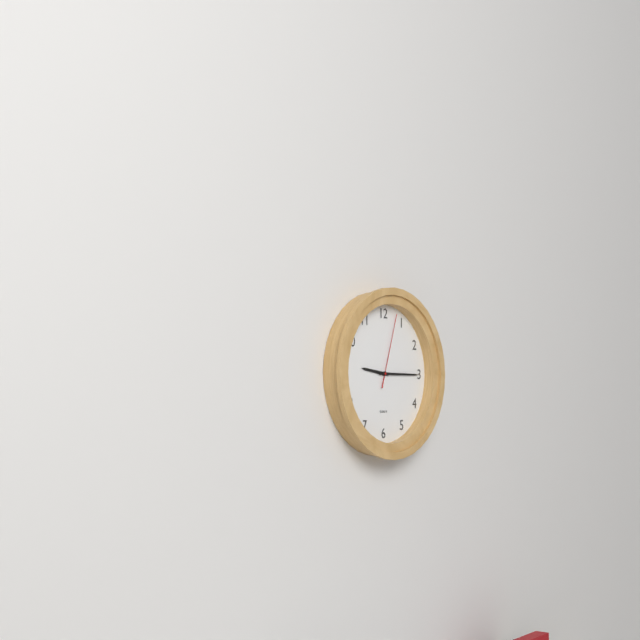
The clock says 9h15m03s
